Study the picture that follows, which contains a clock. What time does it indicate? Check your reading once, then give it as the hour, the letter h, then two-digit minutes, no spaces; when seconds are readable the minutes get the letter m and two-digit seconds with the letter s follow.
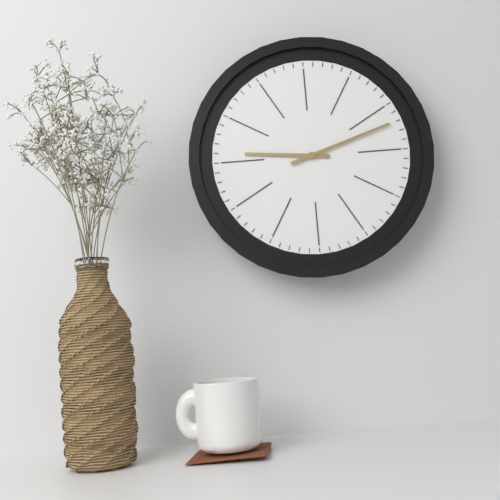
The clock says 9h12
